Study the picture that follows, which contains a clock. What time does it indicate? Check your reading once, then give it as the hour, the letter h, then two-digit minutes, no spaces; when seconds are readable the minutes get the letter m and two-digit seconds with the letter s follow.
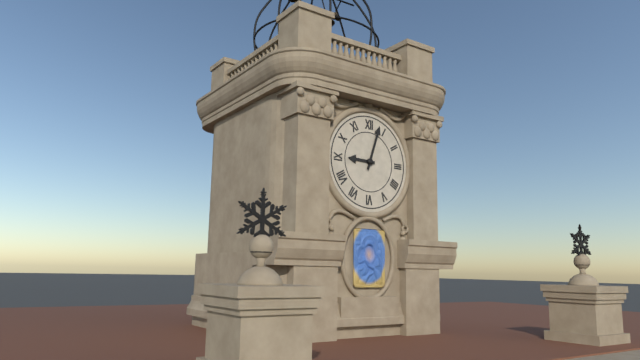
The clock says 9h03
